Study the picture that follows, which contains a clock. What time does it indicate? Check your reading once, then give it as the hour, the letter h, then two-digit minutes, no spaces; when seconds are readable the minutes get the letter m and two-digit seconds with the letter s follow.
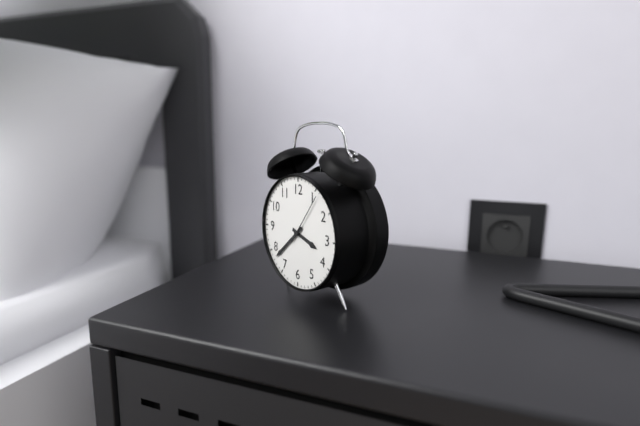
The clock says 3h38m06s
